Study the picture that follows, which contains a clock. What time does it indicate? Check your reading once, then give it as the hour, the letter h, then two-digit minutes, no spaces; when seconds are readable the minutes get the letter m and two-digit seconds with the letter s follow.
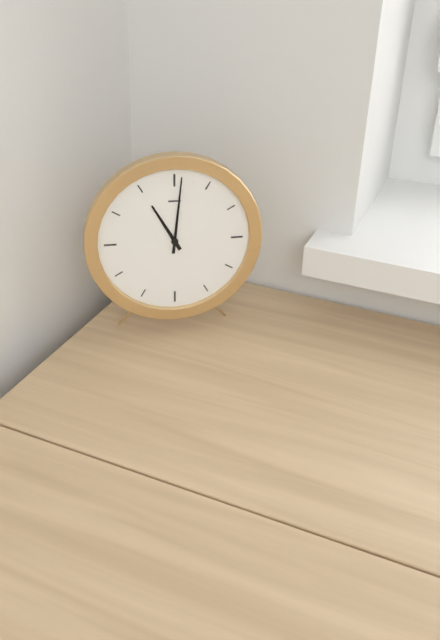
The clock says 11h01
